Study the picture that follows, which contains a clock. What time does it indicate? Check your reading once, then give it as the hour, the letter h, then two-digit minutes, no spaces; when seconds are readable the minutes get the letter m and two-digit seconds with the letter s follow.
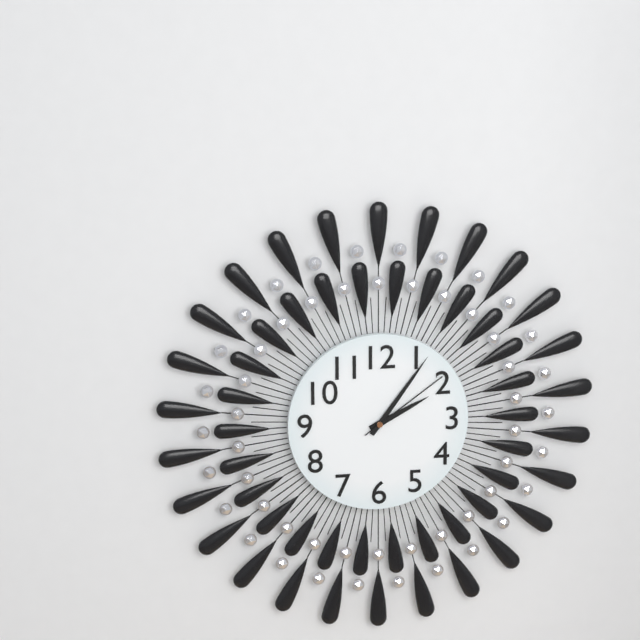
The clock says 2h06m09s
